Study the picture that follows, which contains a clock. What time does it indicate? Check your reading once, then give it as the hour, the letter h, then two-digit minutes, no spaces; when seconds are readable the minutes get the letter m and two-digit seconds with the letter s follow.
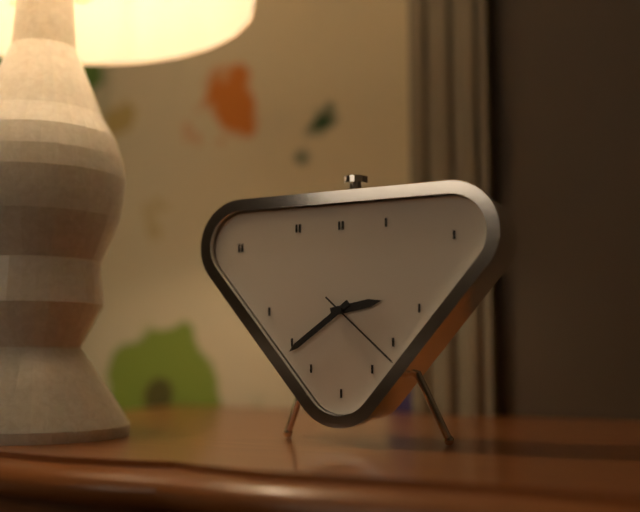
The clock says 2h39m22s
